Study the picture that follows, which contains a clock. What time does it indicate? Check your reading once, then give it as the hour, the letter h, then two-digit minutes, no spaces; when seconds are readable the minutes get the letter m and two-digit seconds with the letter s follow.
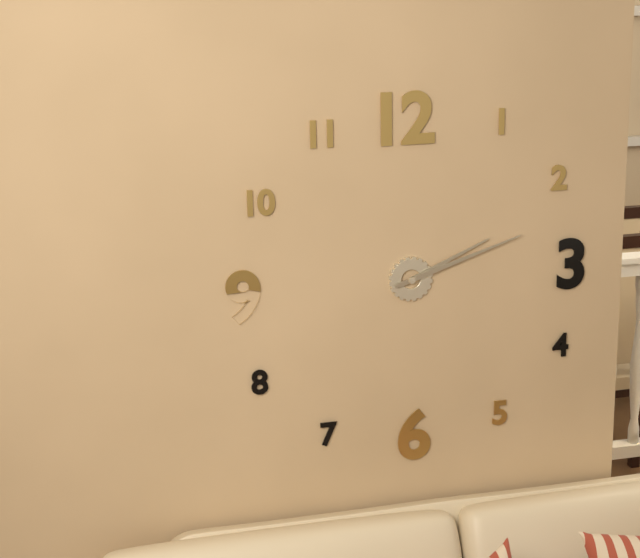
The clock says 2h12
